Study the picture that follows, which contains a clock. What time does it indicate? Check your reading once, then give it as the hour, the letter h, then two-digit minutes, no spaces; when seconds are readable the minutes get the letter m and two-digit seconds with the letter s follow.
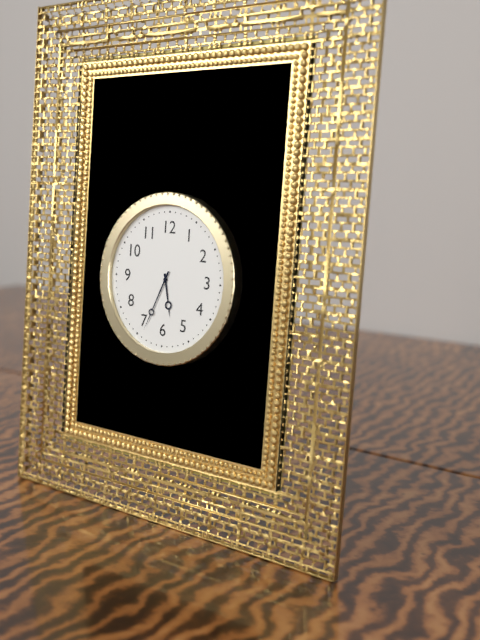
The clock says 5h34
